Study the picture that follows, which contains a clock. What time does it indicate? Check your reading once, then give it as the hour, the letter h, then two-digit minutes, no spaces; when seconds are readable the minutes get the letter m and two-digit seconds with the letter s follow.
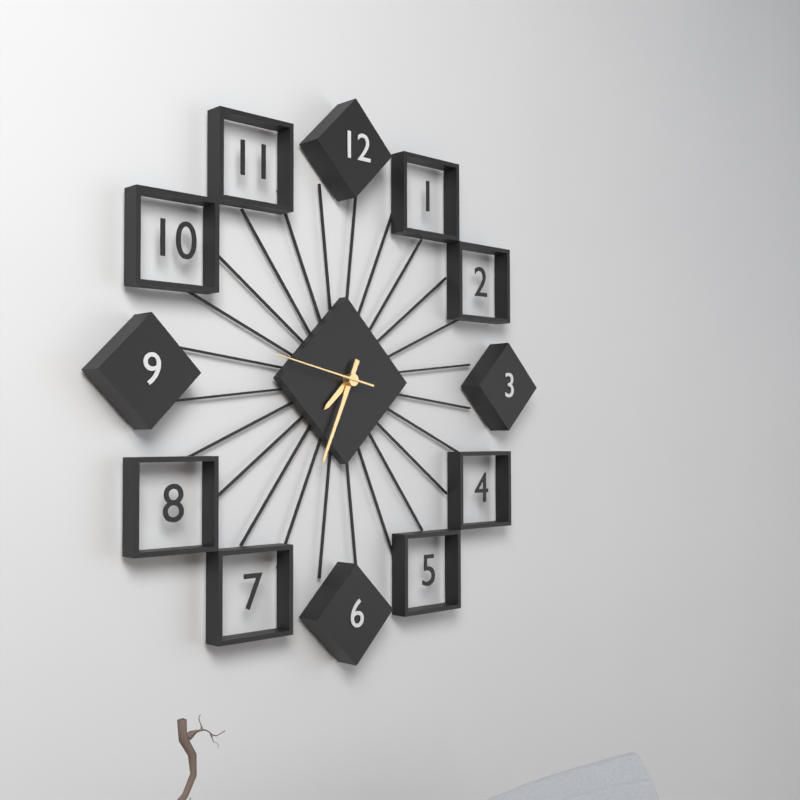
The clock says 7h34m47s
